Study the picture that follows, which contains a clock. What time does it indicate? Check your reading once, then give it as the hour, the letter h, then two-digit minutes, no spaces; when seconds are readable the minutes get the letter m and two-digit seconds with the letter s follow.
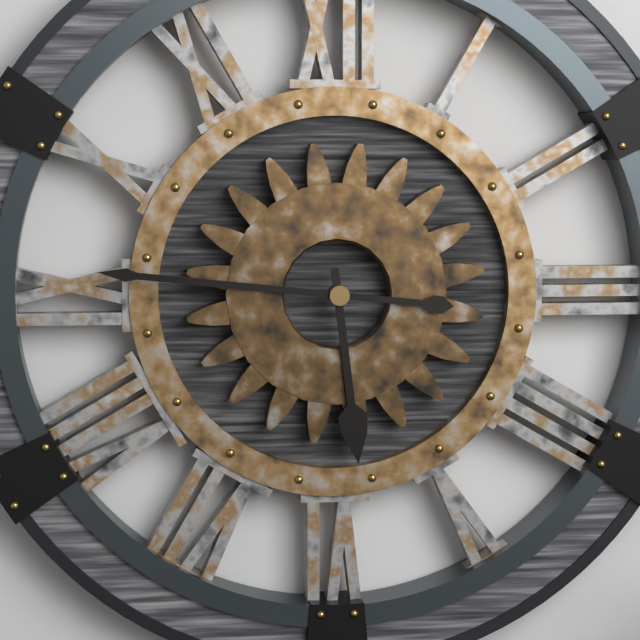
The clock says 5h46
